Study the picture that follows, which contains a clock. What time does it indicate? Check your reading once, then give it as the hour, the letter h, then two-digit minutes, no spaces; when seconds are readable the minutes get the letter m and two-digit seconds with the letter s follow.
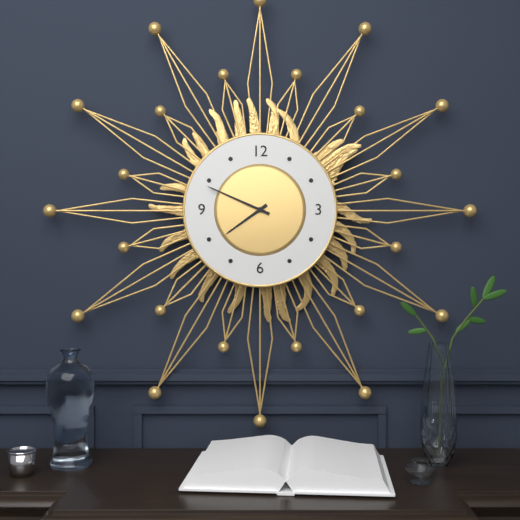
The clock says 7h49
